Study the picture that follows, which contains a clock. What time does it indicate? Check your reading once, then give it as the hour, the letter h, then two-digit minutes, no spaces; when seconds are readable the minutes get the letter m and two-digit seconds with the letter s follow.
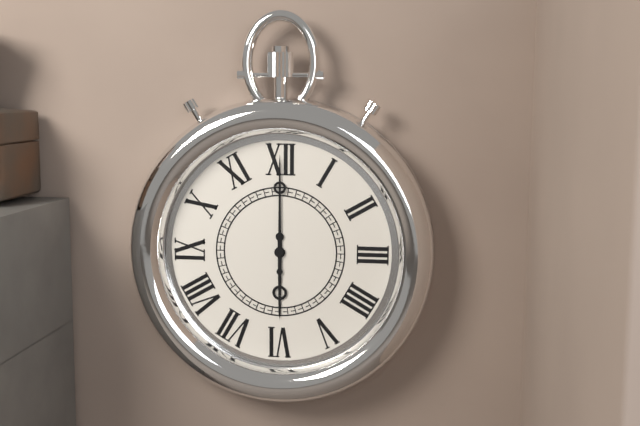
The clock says 6h00
